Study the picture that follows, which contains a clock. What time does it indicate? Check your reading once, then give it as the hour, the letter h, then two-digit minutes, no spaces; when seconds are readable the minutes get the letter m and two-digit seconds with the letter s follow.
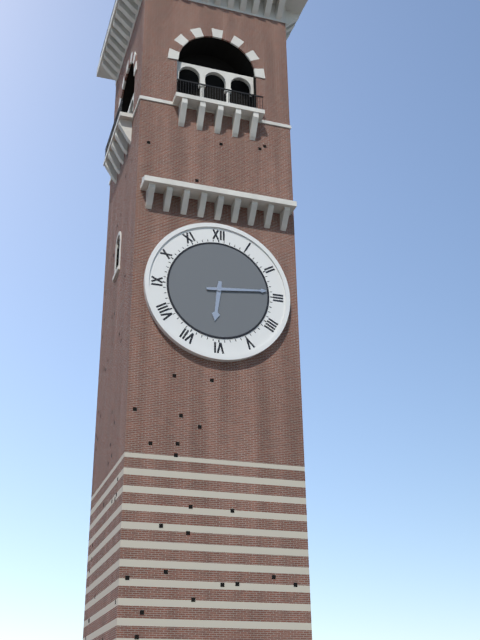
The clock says 6h14
